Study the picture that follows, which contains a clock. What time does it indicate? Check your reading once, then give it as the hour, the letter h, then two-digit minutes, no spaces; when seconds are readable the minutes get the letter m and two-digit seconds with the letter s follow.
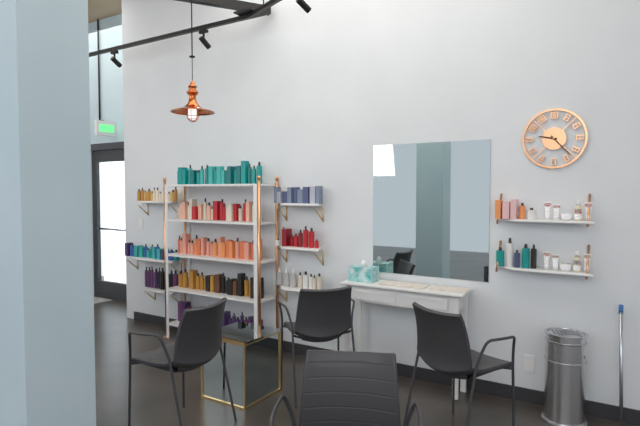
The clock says 9h23
